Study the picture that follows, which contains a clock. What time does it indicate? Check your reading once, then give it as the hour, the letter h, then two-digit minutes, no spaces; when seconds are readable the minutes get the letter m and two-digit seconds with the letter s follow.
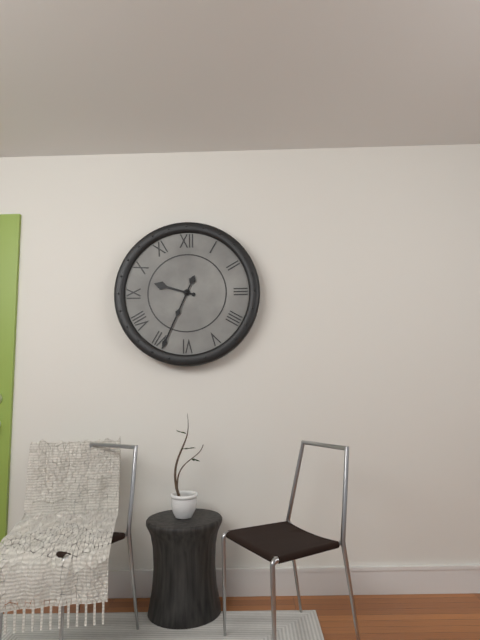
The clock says 9h34
